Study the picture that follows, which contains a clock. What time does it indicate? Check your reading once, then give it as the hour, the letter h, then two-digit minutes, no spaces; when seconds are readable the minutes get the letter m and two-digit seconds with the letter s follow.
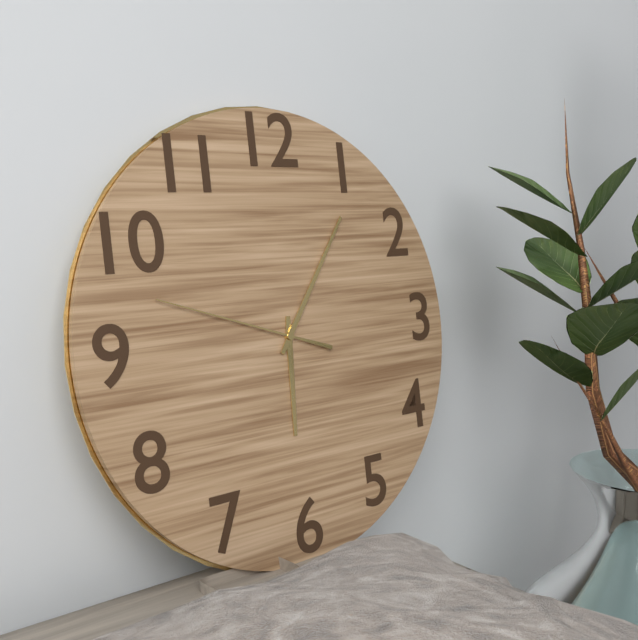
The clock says 6h06m48s
